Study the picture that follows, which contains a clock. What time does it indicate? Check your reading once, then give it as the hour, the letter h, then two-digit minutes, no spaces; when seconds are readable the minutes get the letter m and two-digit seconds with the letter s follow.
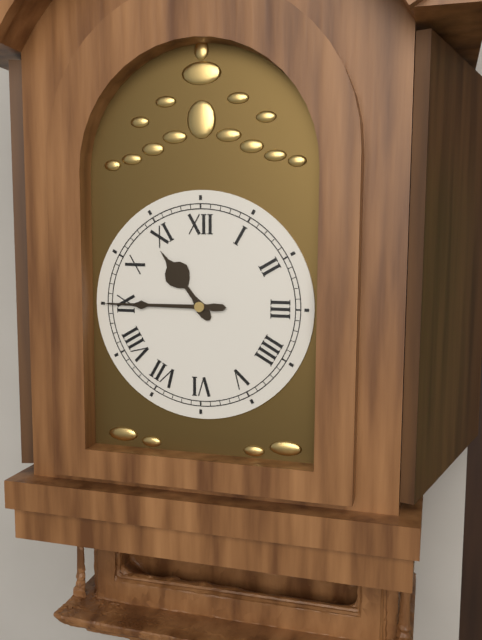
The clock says 10h45
